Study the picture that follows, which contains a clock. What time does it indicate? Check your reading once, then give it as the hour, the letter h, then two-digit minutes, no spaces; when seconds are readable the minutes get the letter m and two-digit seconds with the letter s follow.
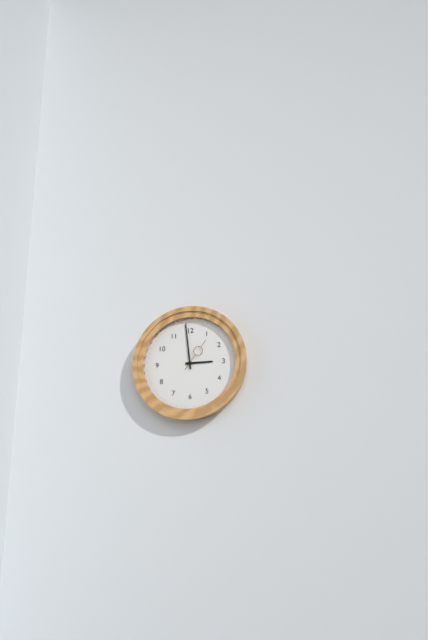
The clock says 2h59
